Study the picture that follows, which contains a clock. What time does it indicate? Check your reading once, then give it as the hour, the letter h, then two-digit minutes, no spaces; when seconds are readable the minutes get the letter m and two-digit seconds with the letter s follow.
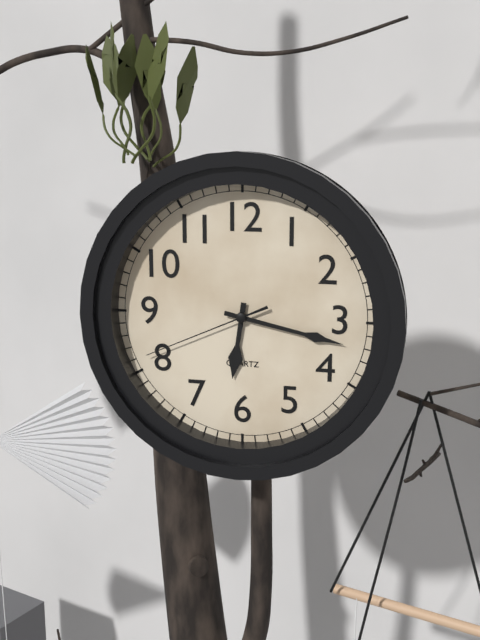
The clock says 6h17m41s
